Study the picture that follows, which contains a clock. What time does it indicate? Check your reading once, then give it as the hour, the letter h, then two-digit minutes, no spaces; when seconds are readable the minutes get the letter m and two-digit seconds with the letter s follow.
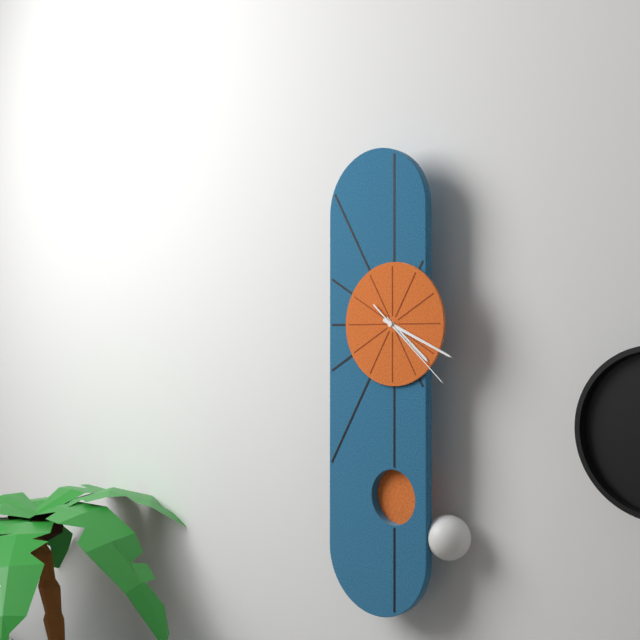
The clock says 4h19m22s
